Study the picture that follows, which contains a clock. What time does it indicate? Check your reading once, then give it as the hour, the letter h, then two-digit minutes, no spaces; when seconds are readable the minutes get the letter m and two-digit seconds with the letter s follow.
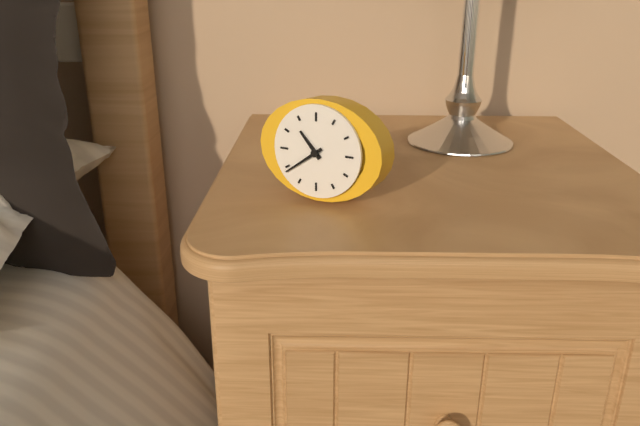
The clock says 10h39
